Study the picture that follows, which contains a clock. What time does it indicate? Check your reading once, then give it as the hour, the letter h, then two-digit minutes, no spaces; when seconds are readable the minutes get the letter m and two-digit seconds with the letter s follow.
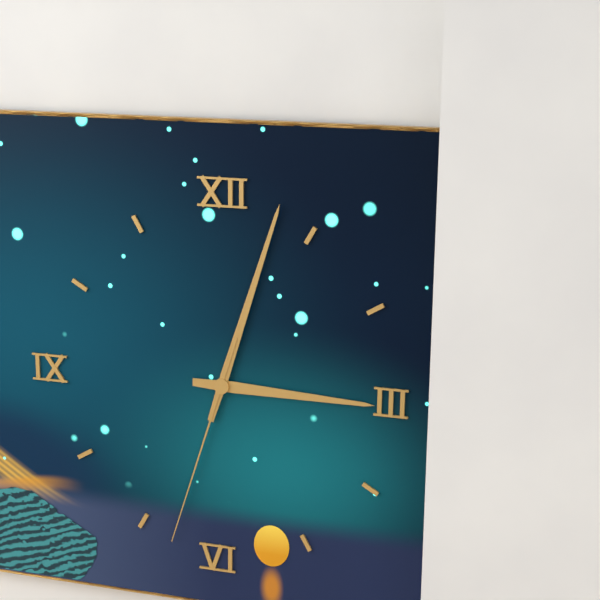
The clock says 3h03m33s
